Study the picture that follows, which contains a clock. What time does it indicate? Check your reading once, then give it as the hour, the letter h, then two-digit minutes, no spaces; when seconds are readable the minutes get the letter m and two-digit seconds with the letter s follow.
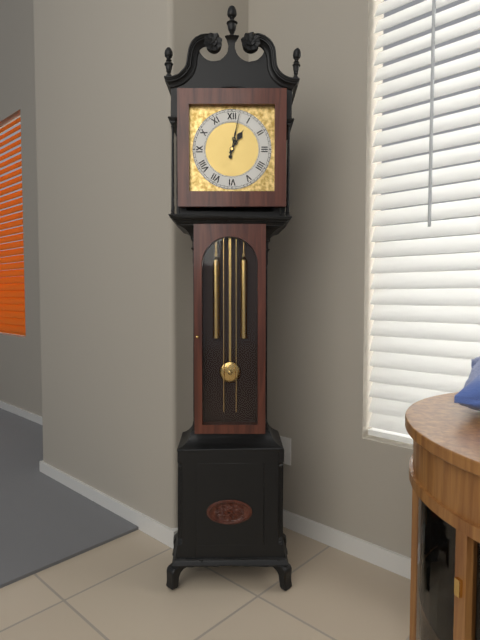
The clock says 1h02
